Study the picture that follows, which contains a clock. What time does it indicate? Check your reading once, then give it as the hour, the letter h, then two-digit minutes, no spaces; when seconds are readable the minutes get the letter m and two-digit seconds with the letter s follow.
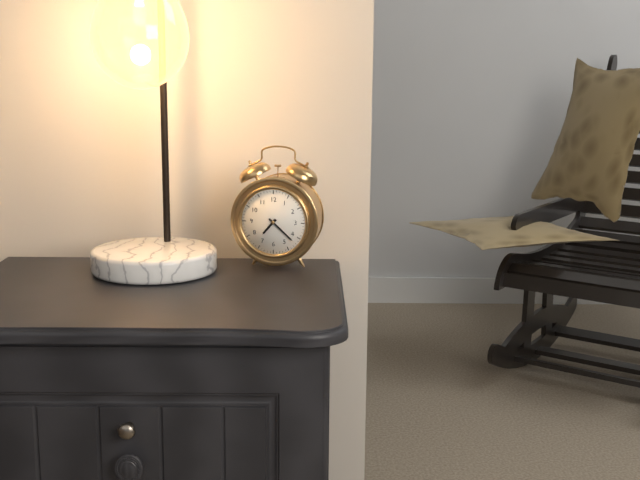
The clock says 7h22
